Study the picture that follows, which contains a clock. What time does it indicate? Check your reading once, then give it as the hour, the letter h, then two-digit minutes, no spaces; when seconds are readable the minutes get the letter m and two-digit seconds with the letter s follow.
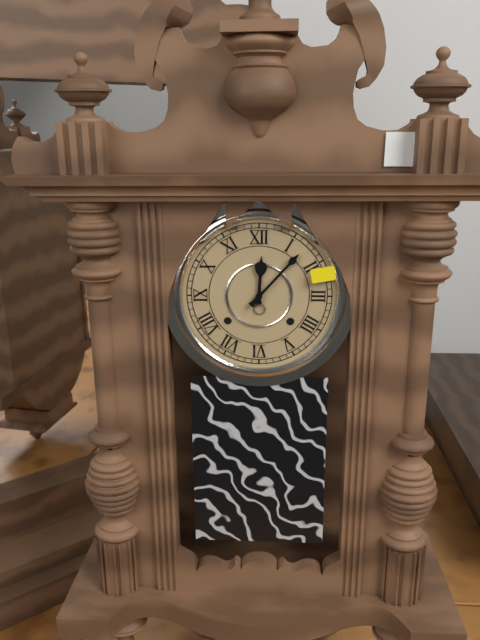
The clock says 12h07
